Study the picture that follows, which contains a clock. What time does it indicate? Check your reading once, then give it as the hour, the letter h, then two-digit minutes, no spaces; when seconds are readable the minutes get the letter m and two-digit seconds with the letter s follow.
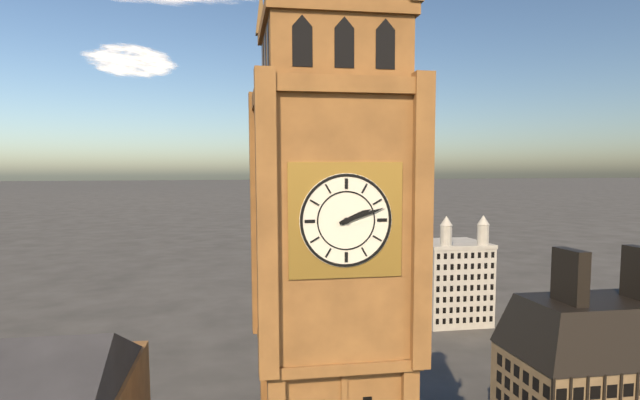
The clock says 2h12
